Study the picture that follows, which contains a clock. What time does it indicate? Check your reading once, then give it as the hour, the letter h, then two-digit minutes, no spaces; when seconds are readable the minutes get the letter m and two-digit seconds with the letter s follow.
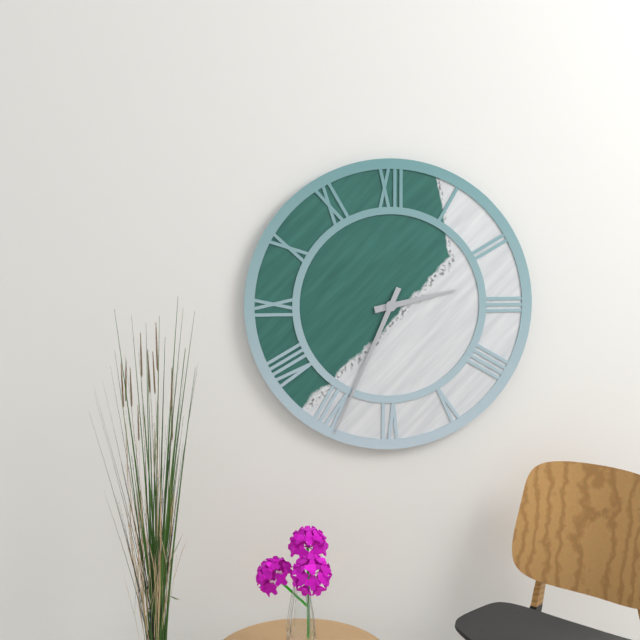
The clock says 2h34
